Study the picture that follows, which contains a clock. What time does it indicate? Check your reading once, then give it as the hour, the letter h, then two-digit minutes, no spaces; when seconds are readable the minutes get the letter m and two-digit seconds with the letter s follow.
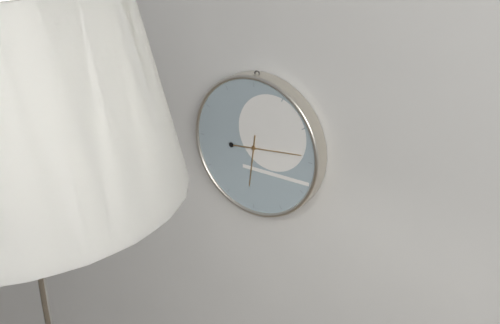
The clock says 6h14
